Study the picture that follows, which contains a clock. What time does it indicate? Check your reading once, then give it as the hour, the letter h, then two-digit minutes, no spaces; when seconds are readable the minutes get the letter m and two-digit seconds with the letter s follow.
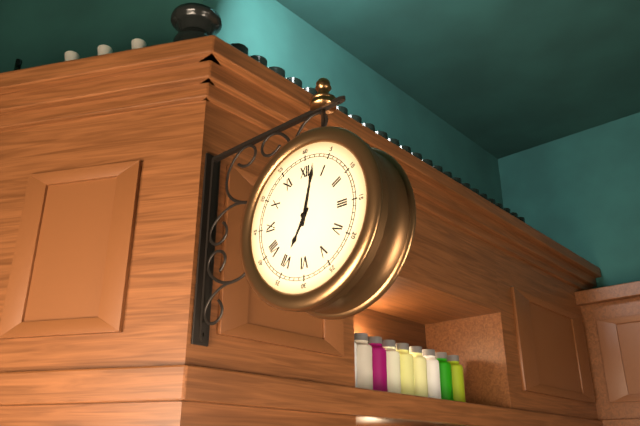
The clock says 7h02
